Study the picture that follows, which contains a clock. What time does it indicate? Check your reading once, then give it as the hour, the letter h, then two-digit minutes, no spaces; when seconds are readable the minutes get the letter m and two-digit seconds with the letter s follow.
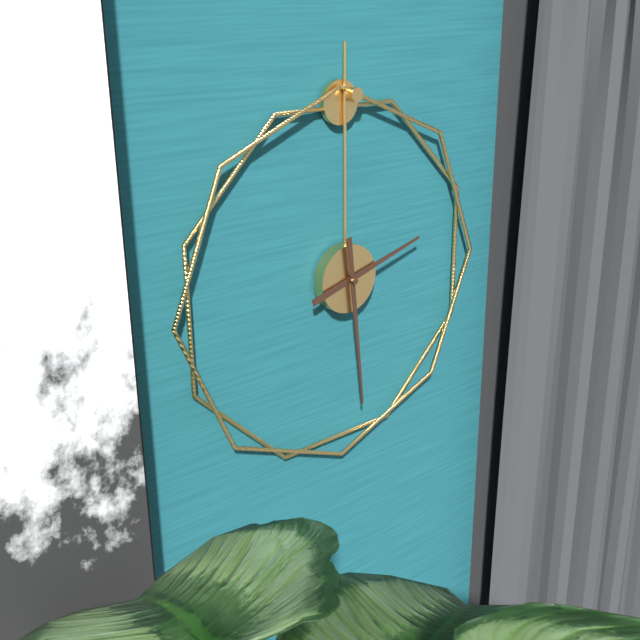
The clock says 2h29
